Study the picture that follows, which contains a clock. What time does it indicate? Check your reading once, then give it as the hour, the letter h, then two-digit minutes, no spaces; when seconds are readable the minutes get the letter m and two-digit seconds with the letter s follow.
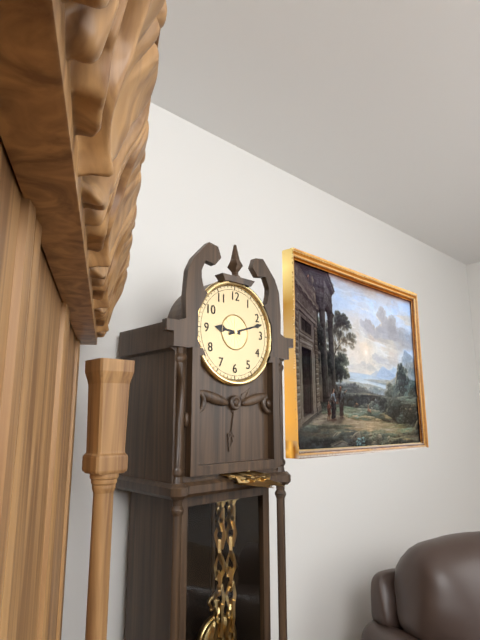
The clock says 9h12
